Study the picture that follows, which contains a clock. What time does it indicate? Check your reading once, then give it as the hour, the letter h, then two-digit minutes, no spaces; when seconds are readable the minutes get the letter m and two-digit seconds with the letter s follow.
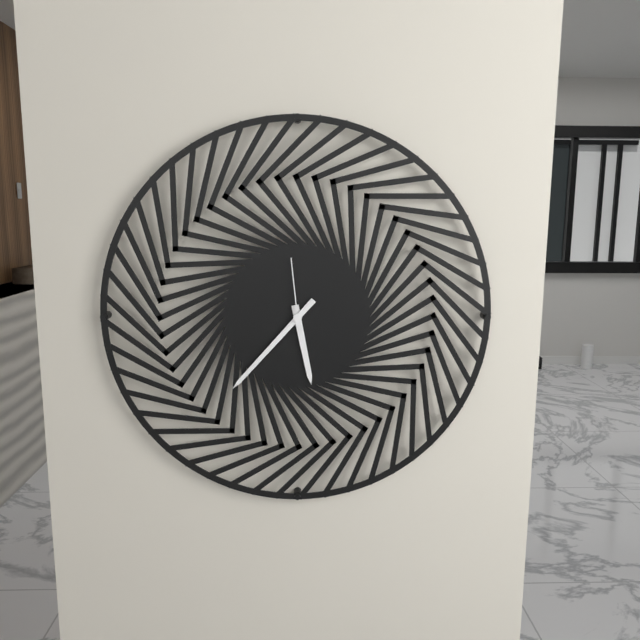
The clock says 5h37m59s
